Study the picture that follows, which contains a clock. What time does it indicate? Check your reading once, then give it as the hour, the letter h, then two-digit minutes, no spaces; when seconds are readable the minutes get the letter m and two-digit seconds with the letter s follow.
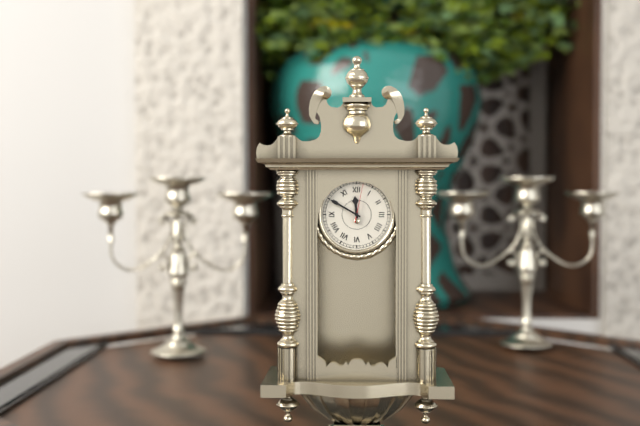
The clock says 11h50
